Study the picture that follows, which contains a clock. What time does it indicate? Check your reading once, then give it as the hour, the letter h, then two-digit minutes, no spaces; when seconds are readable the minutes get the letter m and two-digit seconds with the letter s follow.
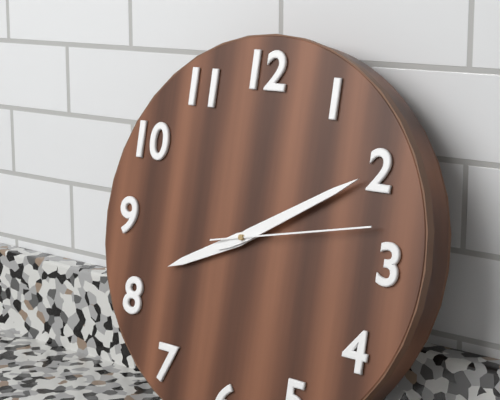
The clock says 8h10m13s
